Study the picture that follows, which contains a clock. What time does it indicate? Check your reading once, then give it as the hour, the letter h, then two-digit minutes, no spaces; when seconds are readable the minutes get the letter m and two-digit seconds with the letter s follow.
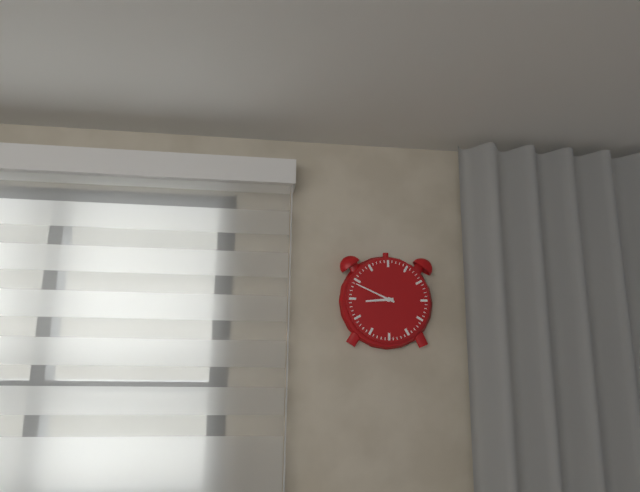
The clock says 8h49
